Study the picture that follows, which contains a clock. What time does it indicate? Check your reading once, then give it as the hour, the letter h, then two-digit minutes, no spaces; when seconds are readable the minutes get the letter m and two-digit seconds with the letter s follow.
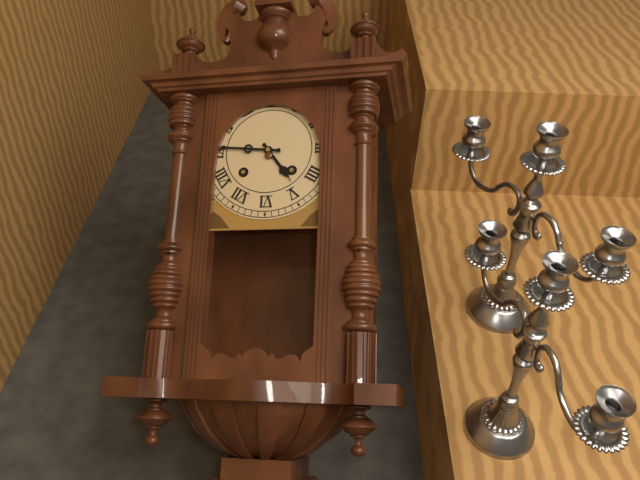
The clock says 4h46
